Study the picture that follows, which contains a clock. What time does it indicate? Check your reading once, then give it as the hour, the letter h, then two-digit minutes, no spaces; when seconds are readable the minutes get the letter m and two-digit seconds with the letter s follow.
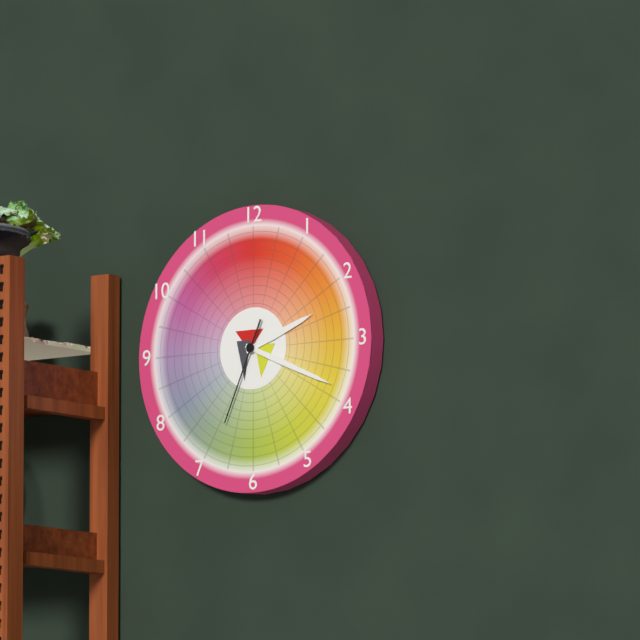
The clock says 2h19m34s
